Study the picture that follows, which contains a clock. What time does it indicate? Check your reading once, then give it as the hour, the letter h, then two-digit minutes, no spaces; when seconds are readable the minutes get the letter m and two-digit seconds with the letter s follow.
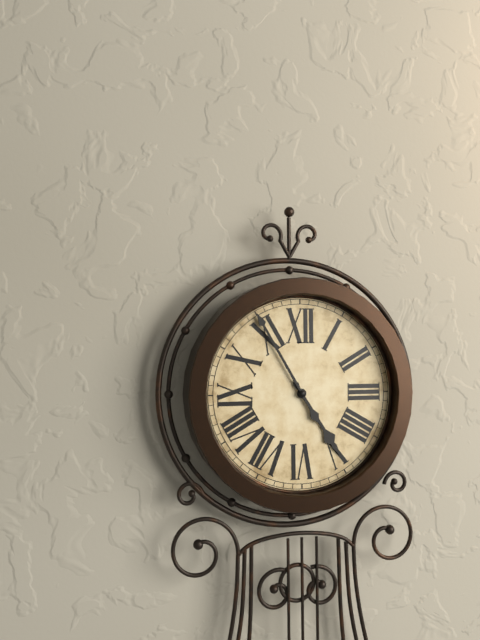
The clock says 4h55
